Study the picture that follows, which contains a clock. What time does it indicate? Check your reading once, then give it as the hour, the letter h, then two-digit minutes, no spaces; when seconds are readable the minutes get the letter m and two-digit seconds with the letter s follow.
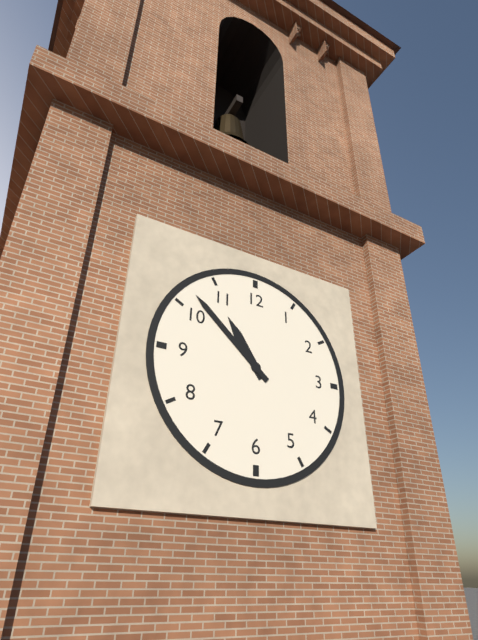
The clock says 10h52
